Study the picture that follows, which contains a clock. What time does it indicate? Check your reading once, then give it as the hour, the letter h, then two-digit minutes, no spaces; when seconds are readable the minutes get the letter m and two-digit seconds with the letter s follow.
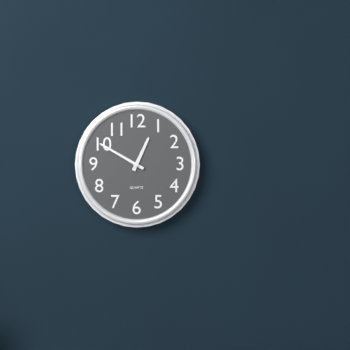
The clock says 12h50
